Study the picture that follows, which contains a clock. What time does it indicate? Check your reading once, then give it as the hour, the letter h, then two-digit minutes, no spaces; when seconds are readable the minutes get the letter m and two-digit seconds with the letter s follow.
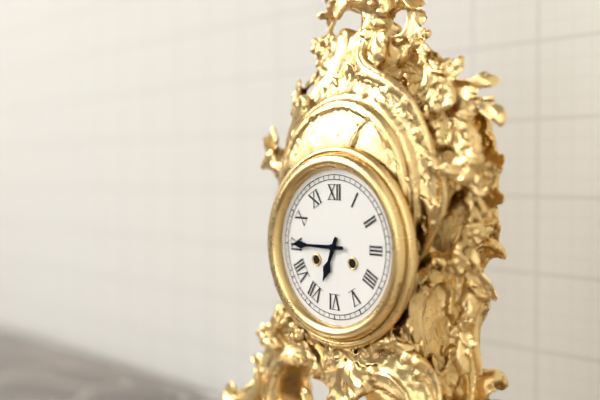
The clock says 6h45
